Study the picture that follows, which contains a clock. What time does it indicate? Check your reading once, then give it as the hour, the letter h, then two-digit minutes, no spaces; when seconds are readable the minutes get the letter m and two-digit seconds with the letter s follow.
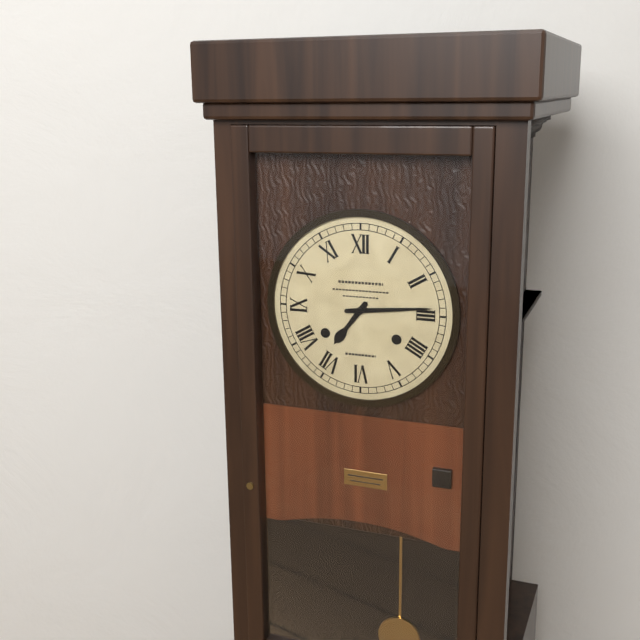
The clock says 7h14
